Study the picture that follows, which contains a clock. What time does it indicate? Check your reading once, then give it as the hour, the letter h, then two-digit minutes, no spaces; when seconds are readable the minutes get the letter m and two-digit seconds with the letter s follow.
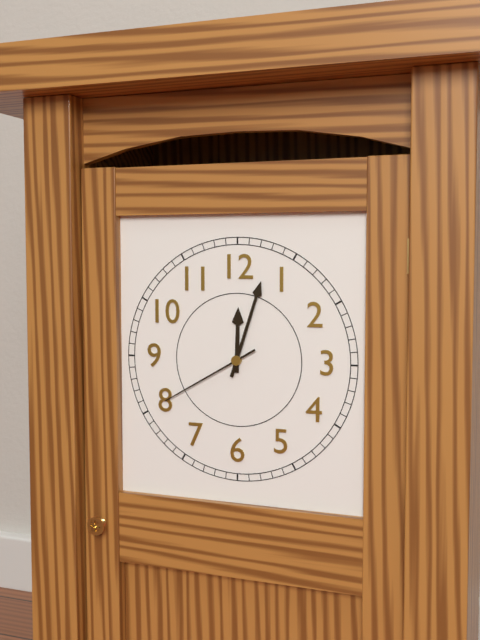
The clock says 12h03m40s
